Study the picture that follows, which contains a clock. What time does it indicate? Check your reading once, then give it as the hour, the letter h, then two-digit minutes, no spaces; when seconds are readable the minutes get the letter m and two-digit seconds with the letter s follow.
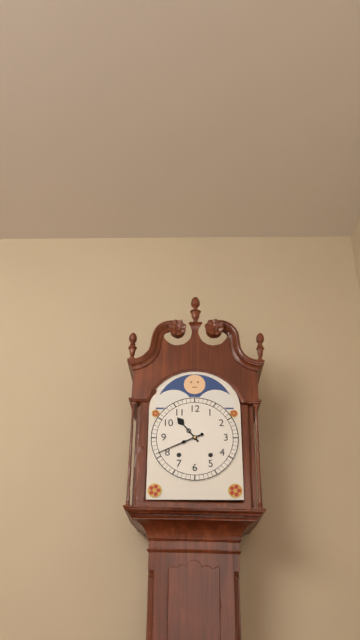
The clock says 10h41
